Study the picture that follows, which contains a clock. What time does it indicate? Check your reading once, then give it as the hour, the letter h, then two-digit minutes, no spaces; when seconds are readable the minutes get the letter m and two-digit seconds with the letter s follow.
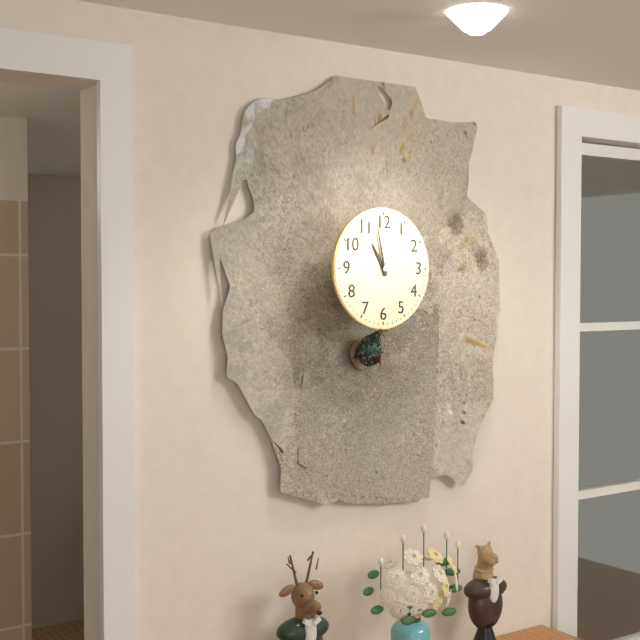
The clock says 10h58
